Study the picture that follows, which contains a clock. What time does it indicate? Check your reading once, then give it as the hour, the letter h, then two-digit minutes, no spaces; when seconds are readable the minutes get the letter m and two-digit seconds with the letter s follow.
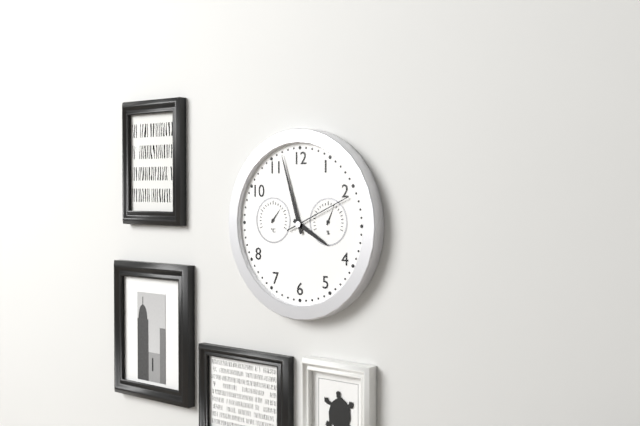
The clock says 3h57m11s
